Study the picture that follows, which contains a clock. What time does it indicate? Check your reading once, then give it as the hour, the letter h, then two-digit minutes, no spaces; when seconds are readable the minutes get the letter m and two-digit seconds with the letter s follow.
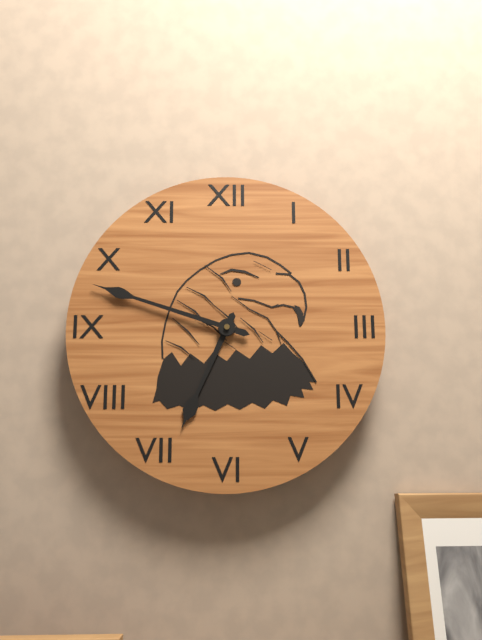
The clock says 6h48
